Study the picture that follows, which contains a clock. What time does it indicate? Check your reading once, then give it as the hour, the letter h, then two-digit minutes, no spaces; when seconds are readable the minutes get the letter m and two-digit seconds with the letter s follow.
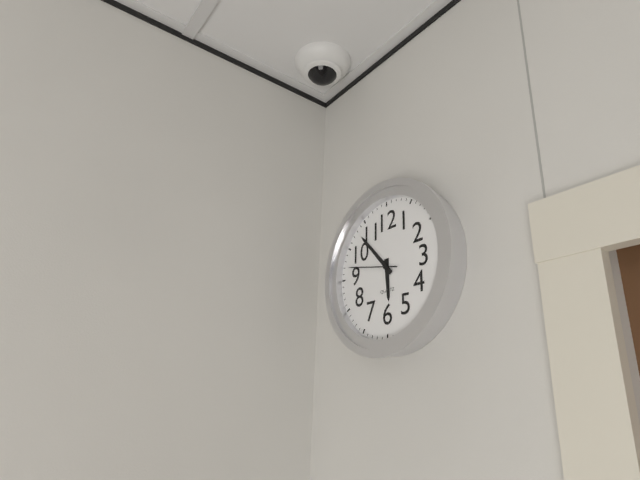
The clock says 5h53
